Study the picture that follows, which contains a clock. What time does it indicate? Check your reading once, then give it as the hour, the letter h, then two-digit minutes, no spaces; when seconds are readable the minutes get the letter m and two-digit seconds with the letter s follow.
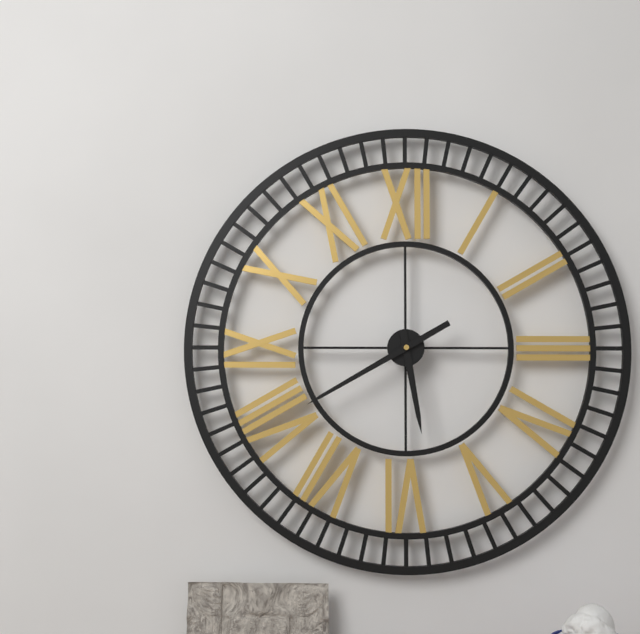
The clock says 5h40
